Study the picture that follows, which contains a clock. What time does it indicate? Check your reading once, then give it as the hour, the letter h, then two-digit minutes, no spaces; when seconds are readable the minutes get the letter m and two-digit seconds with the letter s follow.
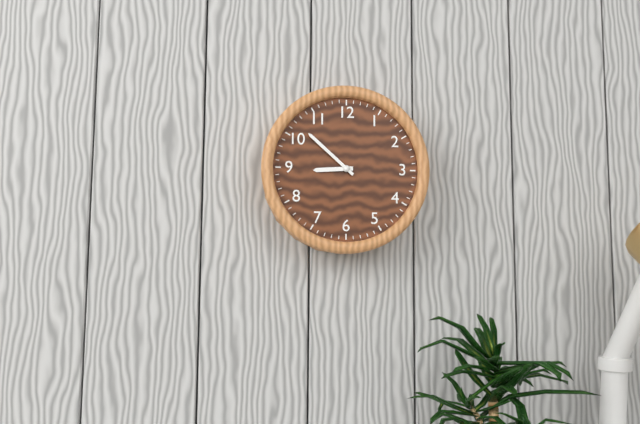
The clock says 8h52
